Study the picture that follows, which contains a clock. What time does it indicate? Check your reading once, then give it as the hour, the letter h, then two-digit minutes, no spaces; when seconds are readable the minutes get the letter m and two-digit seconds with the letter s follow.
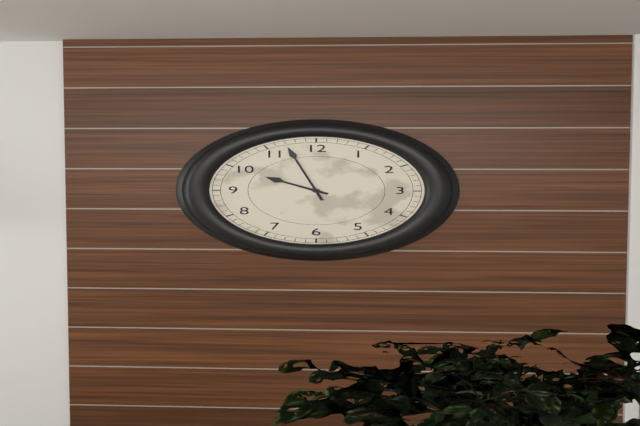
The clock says 9h57
